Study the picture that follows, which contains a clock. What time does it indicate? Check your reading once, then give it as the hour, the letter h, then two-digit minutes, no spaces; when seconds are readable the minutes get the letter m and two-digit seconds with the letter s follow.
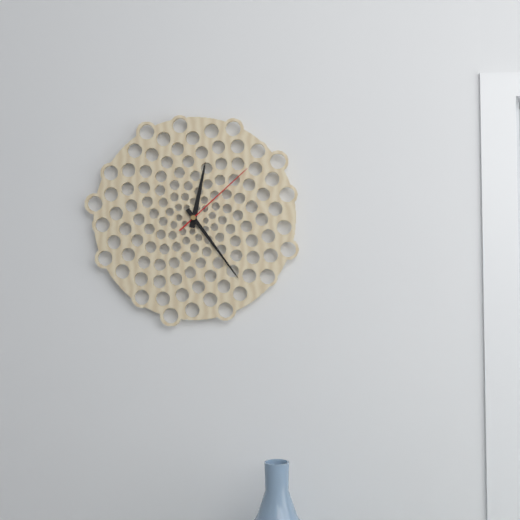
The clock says 12h24m08s
